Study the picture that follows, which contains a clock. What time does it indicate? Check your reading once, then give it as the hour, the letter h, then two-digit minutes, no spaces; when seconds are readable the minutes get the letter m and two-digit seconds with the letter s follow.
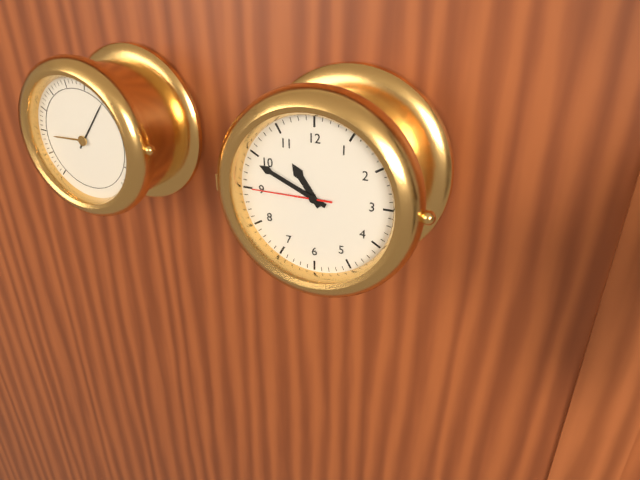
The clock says 10h49m45s
